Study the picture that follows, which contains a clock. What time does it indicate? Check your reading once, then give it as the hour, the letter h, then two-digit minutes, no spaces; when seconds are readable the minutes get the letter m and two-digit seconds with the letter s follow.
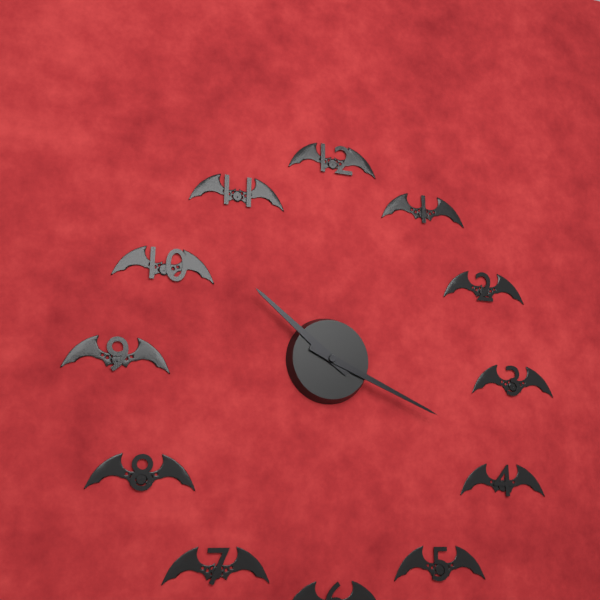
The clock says 10h19
